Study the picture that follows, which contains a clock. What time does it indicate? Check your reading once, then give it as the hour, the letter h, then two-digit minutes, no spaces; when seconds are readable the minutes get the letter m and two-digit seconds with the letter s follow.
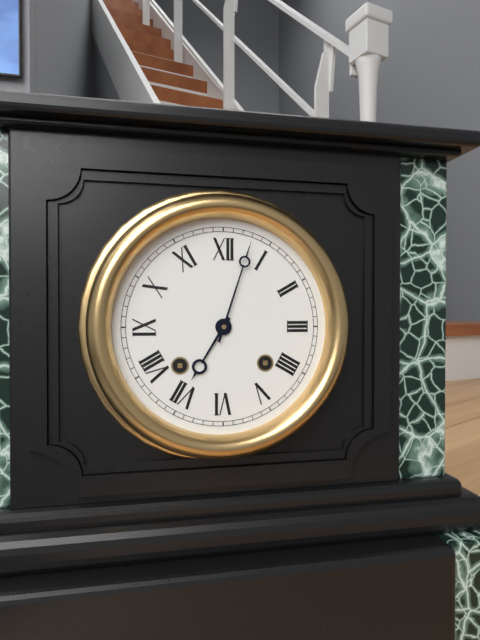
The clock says 7h03
